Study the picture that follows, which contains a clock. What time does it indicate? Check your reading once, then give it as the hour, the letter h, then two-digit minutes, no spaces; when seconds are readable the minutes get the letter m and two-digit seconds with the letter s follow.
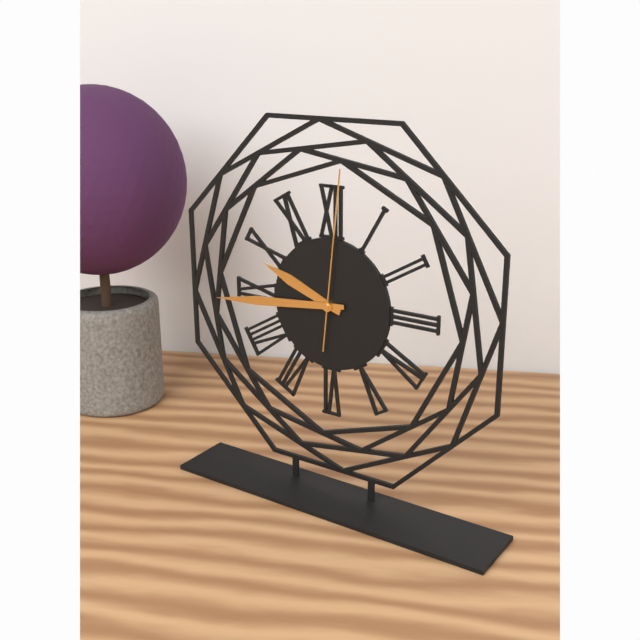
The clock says 9h44m01s
